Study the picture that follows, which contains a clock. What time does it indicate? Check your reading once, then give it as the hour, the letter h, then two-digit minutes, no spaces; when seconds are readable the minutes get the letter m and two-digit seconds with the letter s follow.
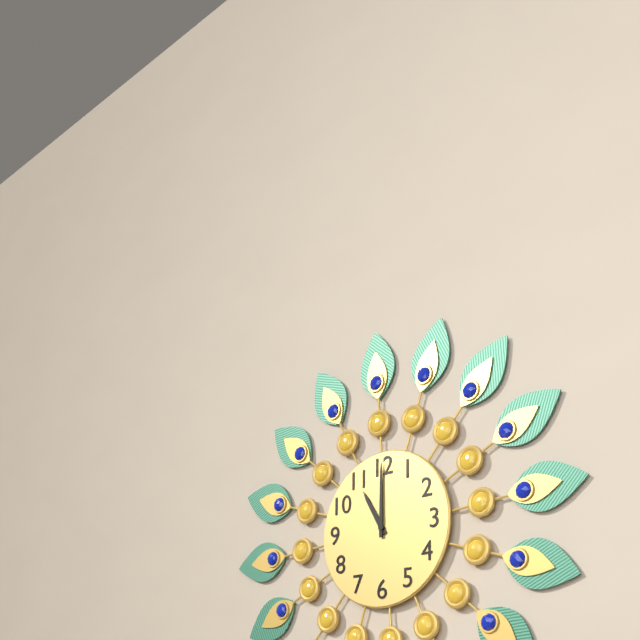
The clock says 11h00
